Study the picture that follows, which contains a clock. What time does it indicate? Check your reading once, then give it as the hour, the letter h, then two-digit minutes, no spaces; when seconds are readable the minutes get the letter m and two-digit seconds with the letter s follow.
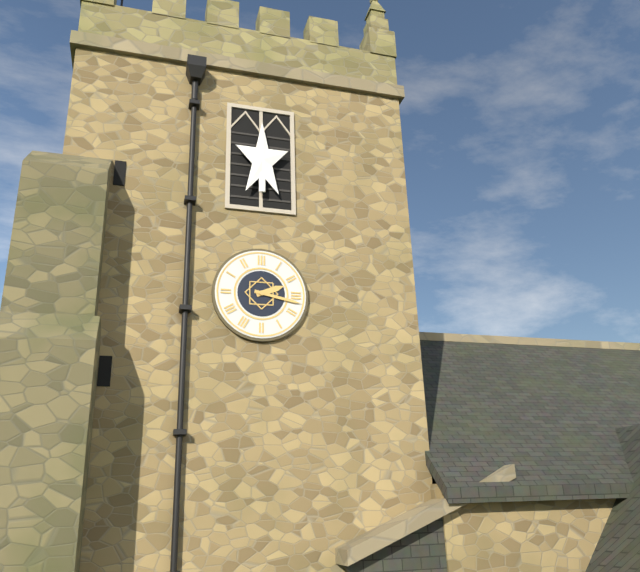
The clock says 2h17
